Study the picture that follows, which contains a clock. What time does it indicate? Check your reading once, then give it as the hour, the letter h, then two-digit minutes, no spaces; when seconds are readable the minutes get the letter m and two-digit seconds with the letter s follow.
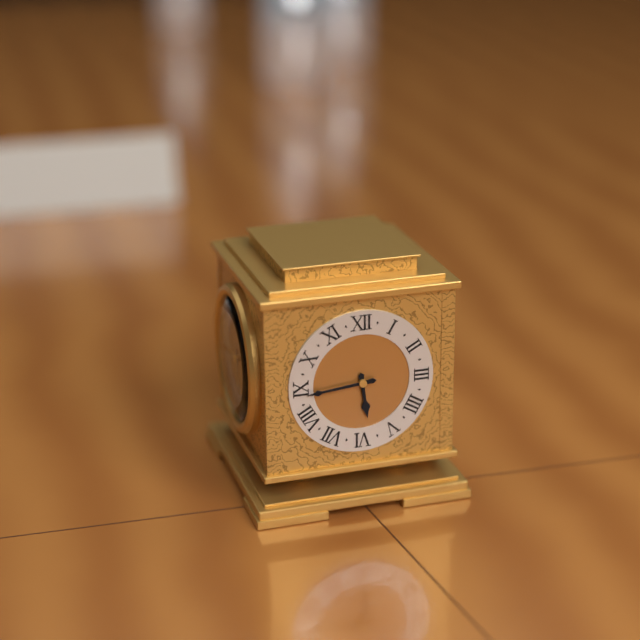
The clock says 5h44
